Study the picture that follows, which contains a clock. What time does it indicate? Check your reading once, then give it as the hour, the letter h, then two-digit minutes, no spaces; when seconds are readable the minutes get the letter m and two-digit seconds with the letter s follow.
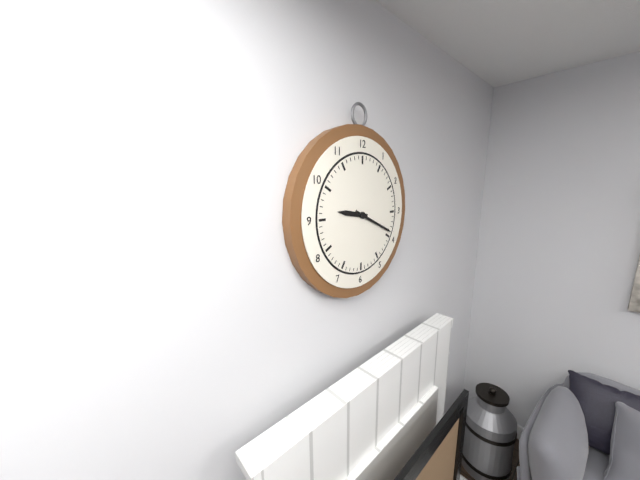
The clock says 9h19
